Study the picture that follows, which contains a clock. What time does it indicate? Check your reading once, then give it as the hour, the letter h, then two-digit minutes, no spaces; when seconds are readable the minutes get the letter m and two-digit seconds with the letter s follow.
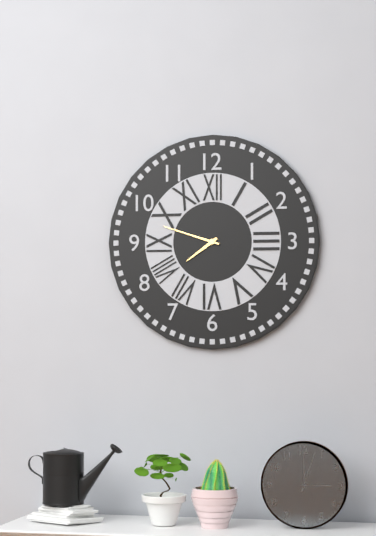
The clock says 7h48
